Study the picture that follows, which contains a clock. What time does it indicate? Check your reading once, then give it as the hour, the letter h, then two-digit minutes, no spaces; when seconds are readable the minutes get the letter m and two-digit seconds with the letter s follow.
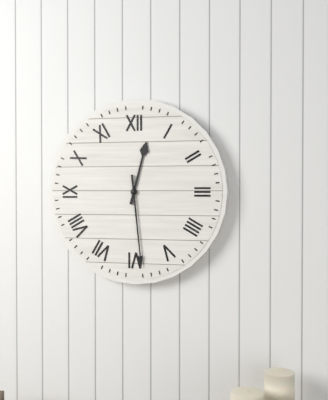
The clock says 12h29
